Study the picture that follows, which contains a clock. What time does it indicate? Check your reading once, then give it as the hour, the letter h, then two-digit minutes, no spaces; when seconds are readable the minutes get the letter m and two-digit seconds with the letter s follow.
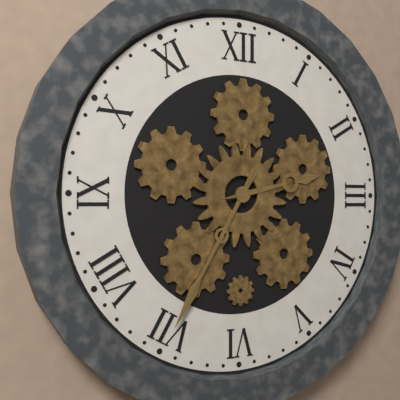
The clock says 2h35
